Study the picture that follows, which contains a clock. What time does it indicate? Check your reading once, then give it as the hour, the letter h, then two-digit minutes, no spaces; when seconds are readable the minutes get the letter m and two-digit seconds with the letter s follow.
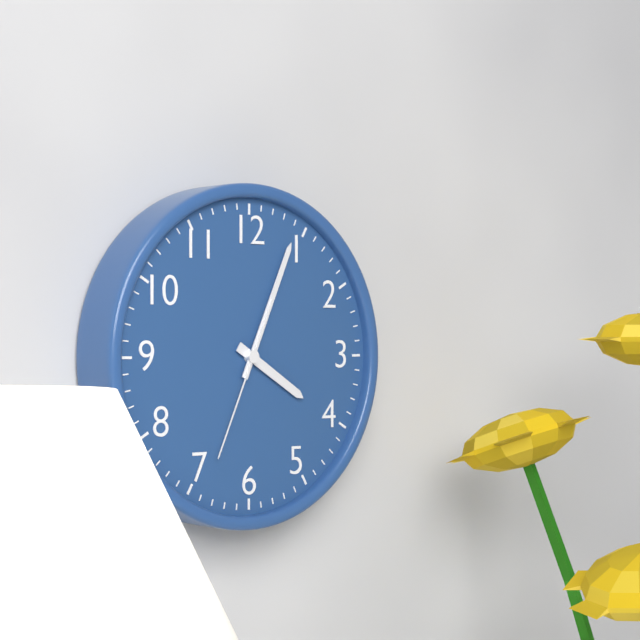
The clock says 4h04m34s
